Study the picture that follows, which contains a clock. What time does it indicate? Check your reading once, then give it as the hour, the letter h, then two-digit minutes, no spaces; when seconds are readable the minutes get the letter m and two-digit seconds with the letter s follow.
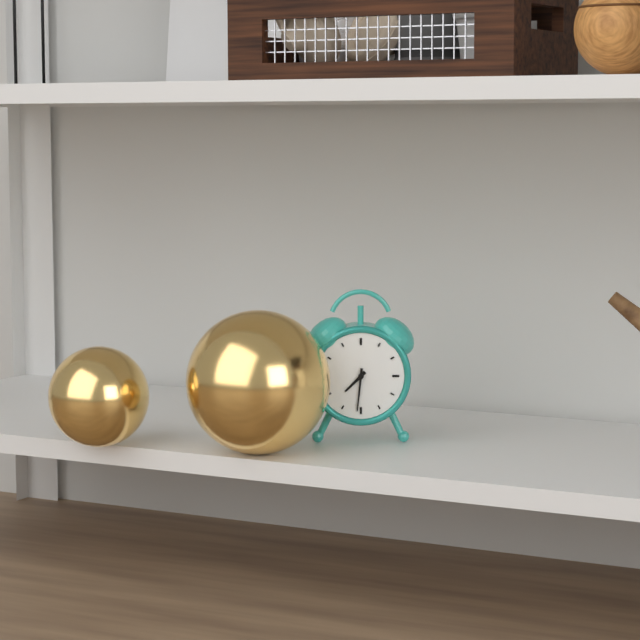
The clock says 7h31
